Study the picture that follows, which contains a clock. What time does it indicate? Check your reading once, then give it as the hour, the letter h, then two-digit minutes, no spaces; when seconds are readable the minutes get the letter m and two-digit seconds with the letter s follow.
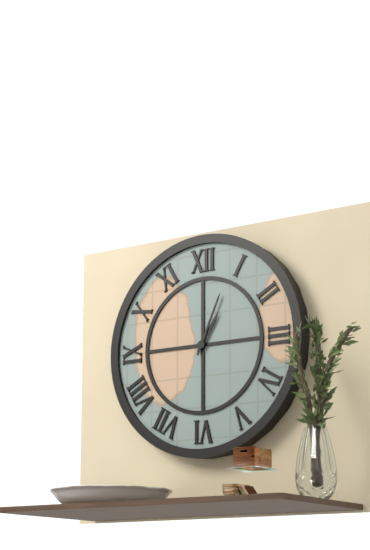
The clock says 1h04
